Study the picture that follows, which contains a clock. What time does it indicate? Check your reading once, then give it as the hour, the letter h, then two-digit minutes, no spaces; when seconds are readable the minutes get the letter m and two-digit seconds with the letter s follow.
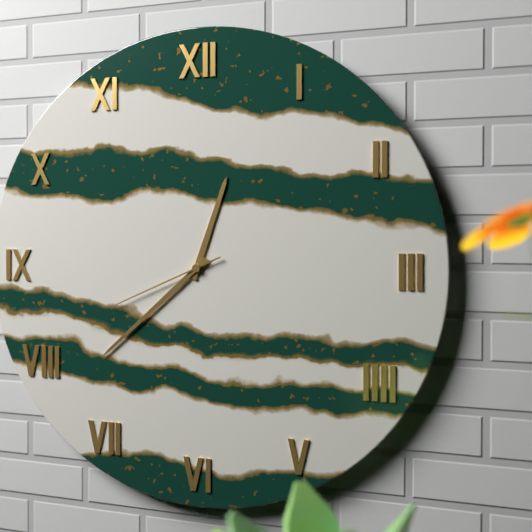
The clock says 12h38m41s
